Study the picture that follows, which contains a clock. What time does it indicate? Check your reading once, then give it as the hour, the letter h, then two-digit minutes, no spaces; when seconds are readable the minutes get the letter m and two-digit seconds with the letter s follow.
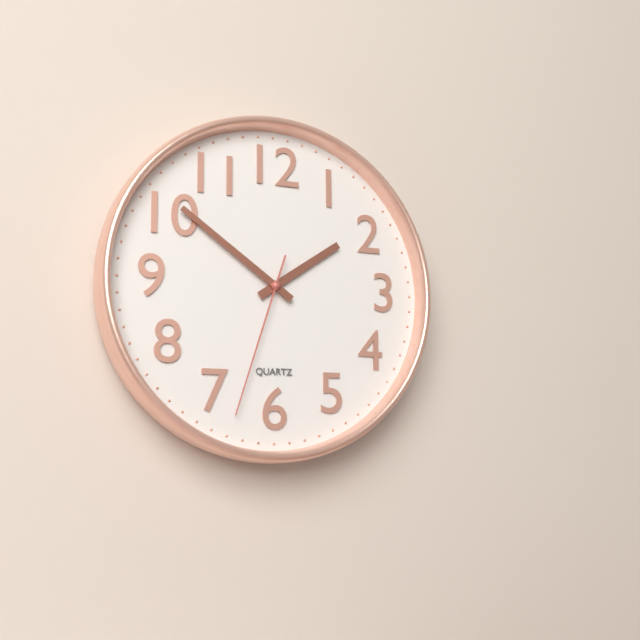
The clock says 1h51m33s
